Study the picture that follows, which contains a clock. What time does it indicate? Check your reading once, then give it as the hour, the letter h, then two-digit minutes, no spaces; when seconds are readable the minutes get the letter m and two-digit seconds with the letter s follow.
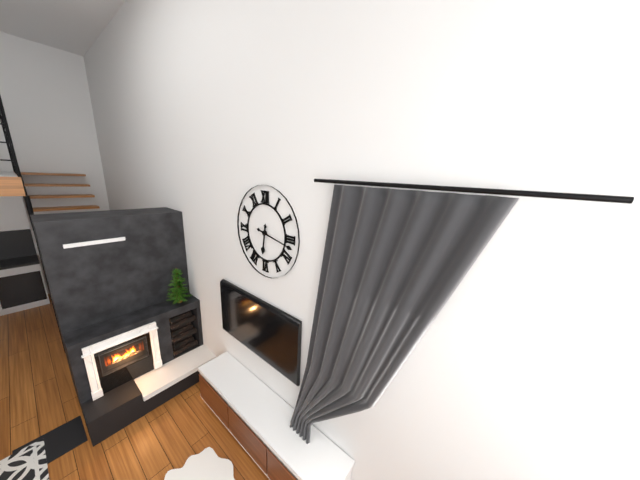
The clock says 6h17
